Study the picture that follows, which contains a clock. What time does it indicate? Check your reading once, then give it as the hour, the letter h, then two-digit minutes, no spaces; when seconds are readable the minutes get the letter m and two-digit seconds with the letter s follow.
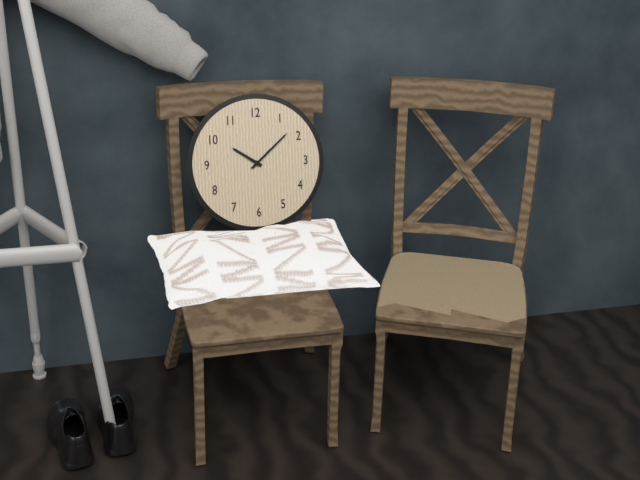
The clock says 10h08
